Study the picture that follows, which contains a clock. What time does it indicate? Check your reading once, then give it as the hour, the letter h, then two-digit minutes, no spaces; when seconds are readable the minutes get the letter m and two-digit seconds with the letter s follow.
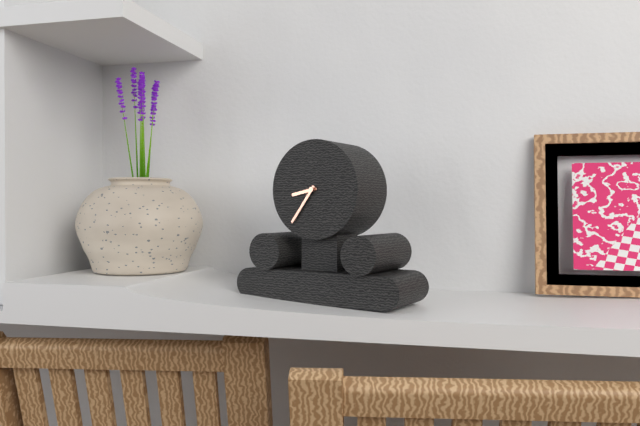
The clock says 8h36
